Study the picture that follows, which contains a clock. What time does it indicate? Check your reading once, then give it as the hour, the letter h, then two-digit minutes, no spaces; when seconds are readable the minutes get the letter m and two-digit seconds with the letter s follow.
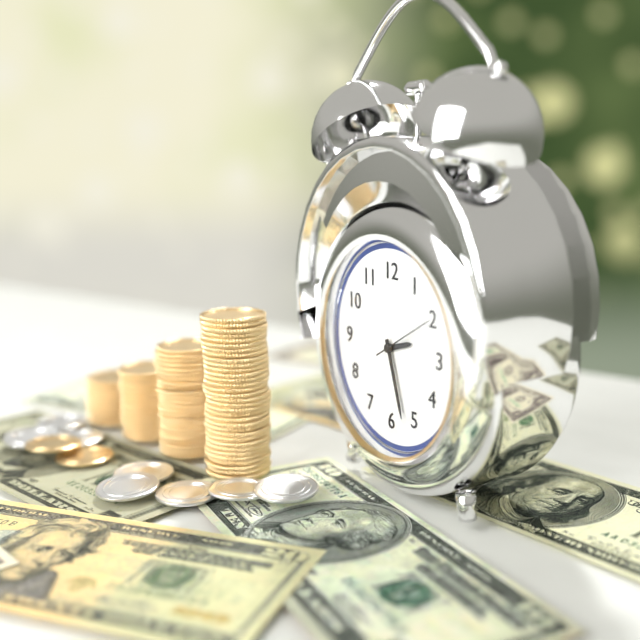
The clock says 2h27m10s
